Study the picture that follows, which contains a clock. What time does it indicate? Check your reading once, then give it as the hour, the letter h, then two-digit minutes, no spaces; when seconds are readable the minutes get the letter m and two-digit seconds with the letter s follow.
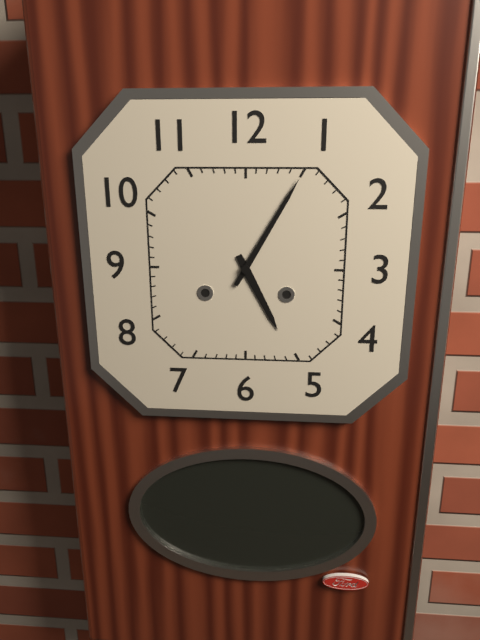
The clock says 5h05
